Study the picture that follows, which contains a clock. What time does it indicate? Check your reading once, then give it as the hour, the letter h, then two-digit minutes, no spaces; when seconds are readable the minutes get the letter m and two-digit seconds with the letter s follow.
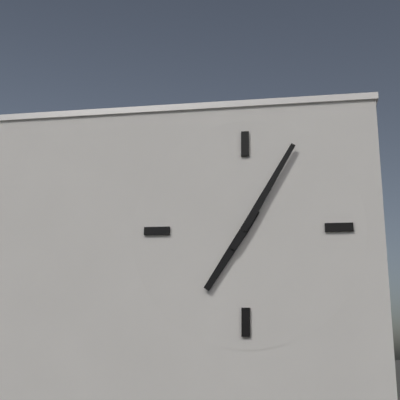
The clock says 7h05
